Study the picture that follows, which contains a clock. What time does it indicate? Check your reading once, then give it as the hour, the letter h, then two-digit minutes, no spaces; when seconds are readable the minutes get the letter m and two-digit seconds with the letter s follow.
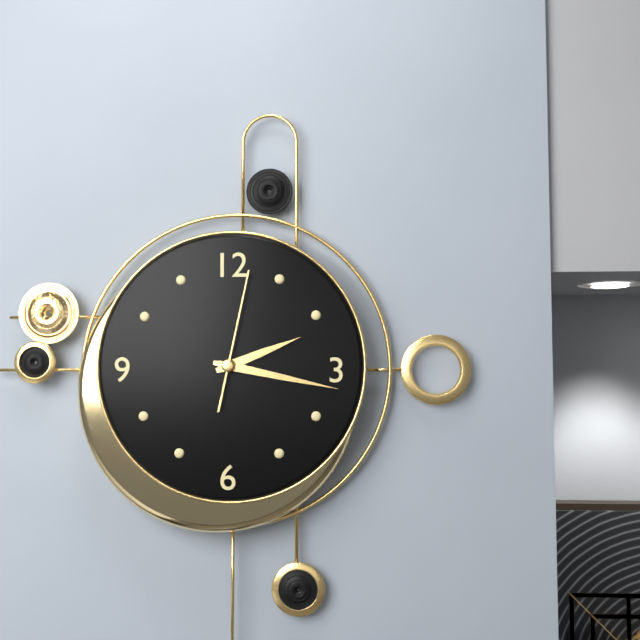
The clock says 2h17m02s
